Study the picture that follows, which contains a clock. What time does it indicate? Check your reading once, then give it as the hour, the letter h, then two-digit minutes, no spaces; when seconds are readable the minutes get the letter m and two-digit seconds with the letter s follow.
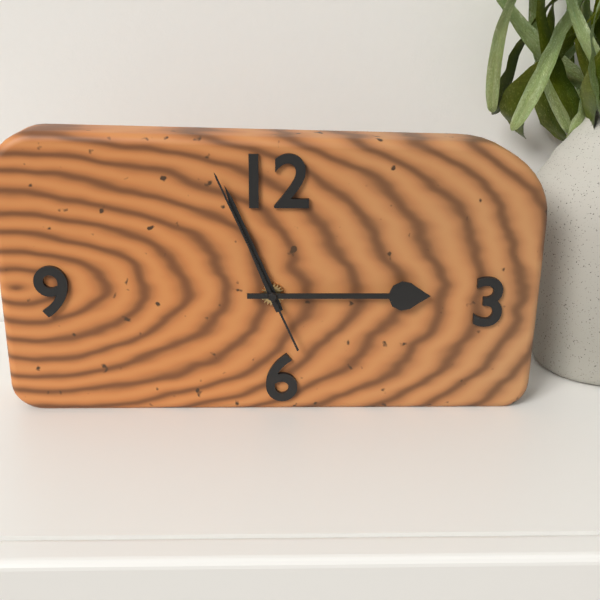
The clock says 11h15m56s
